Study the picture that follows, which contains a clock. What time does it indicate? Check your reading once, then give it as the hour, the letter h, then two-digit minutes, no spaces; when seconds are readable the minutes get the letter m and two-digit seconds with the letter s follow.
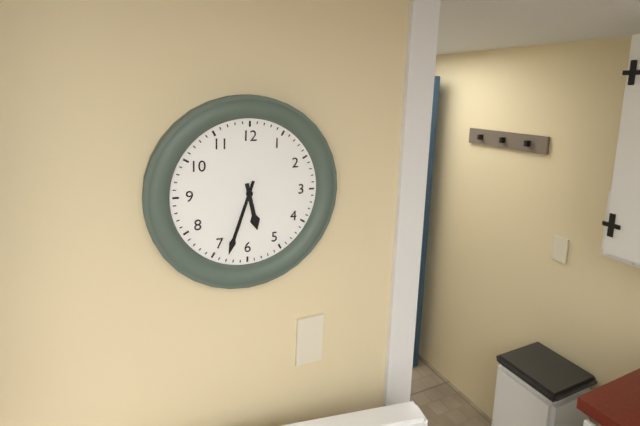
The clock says 5h33
